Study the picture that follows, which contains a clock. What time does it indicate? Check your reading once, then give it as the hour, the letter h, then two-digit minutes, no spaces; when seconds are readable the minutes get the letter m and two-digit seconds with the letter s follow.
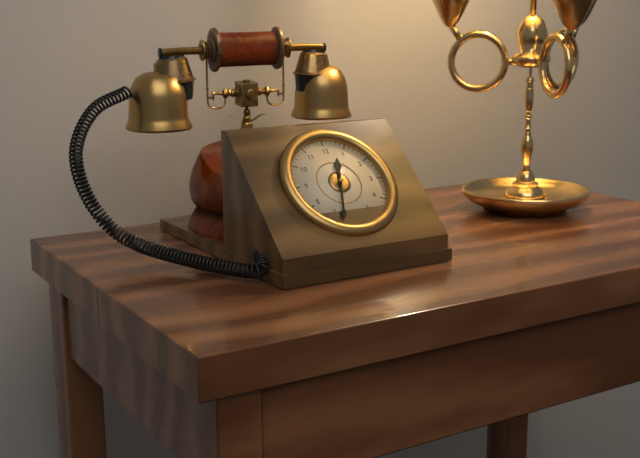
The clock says 12h33
